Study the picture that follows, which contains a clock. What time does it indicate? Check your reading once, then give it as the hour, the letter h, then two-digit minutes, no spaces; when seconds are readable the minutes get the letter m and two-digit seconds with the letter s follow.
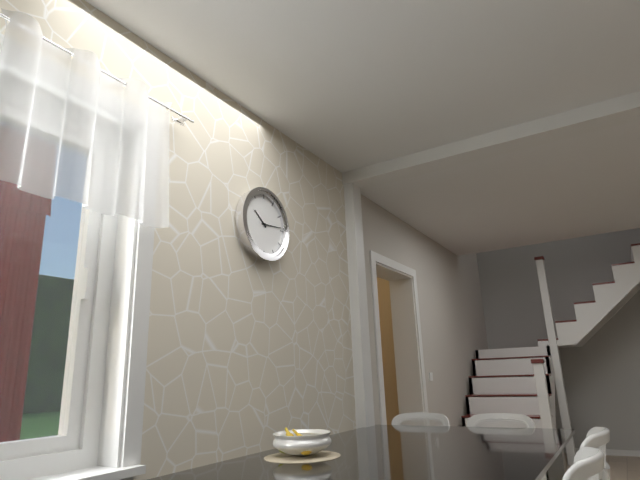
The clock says 10h14
